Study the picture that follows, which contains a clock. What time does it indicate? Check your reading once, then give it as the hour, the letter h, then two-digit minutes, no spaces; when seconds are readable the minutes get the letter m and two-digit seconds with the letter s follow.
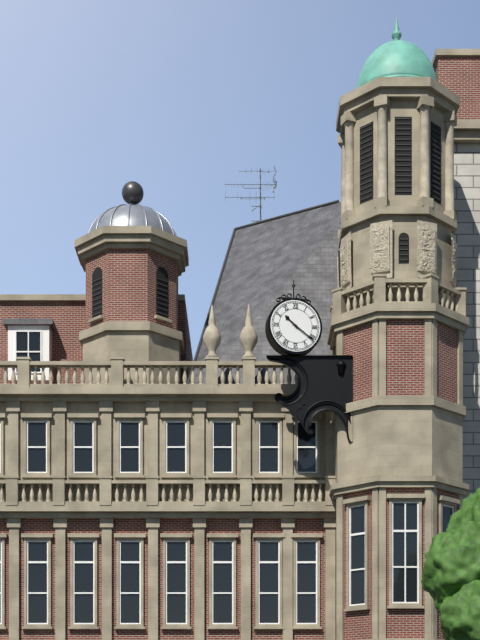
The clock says 10h21
